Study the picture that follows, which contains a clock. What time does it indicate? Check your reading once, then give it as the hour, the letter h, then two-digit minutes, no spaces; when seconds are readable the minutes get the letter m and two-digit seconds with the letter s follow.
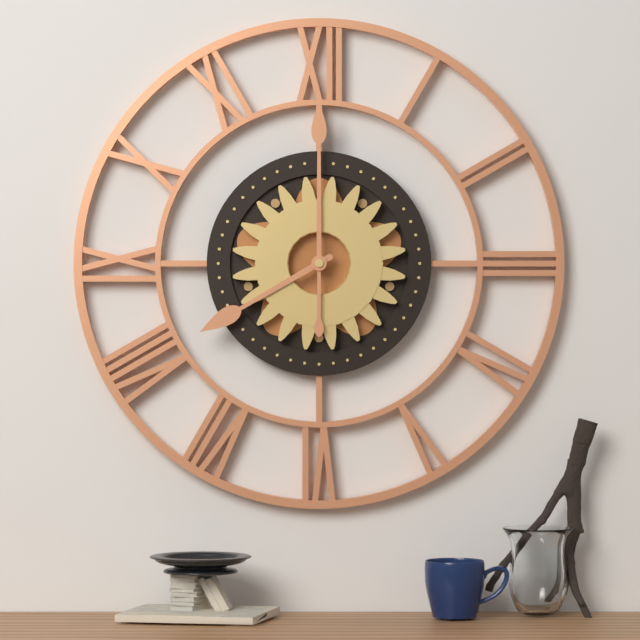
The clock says 8h00
